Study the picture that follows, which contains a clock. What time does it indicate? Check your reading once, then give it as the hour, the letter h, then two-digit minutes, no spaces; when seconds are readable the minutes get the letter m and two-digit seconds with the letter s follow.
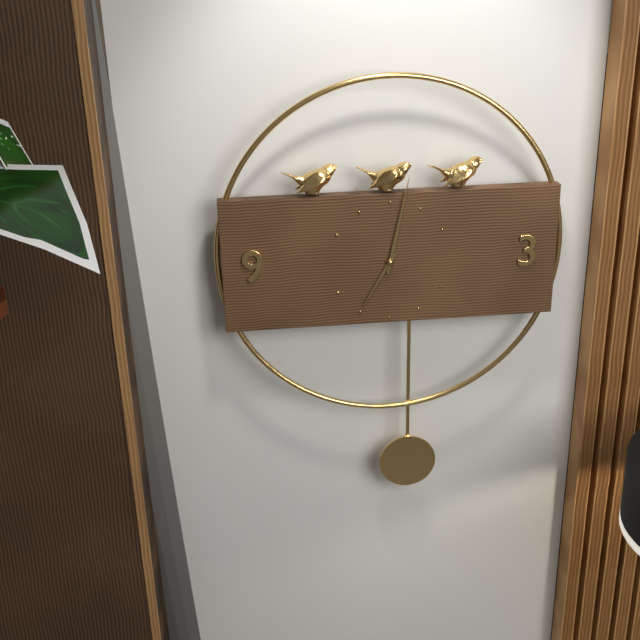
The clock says 7h02
